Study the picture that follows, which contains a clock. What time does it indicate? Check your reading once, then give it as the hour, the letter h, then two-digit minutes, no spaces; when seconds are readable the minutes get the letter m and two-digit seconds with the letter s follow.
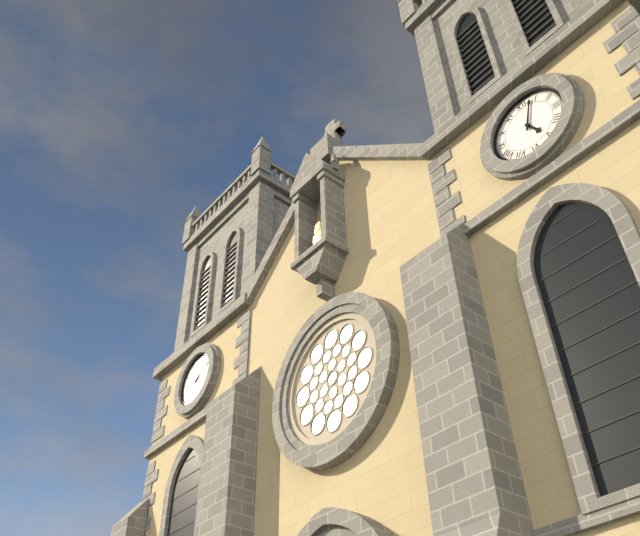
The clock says 5h03
